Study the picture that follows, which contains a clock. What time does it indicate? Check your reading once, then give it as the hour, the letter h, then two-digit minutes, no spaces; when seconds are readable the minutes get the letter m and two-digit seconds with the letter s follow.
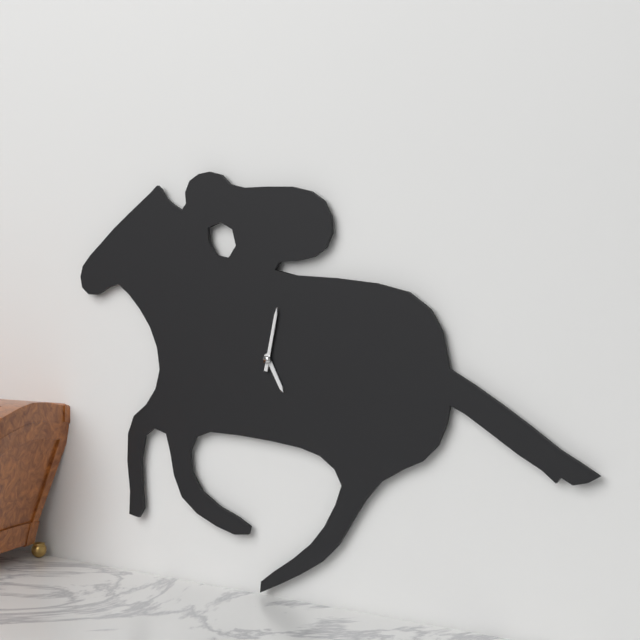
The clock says 5h02
